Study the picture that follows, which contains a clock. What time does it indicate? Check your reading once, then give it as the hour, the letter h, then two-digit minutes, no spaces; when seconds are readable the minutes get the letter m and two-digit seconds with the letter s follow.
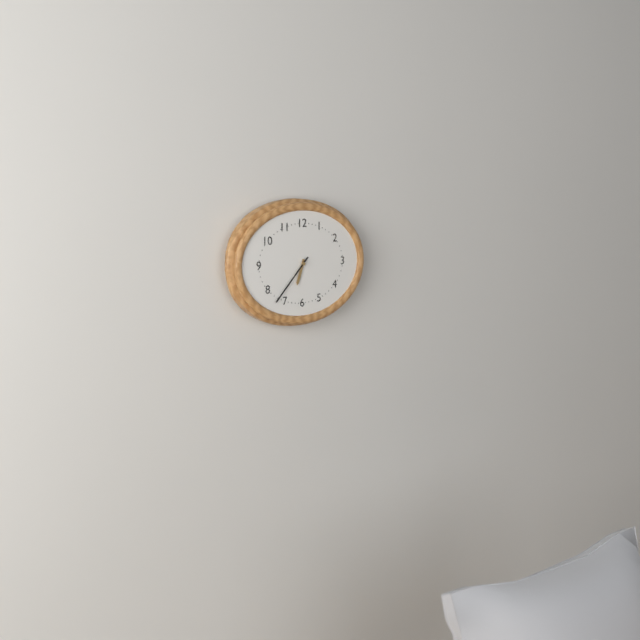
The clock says 6h37
